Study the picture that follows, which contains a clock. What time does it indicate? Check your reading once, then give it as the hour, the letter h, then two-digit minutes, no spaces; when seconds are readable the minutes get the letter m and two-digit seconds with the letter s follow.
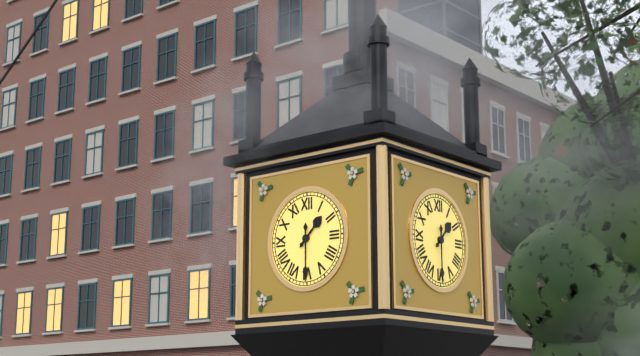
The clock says 1h30
